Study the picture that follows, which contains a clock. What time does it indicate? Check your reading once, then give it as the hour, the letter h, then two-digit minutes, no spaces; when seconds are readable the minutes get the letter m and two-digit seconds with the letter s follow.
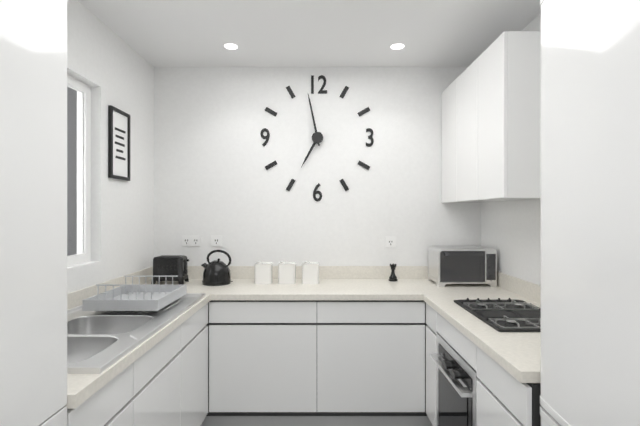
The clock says 6h58
